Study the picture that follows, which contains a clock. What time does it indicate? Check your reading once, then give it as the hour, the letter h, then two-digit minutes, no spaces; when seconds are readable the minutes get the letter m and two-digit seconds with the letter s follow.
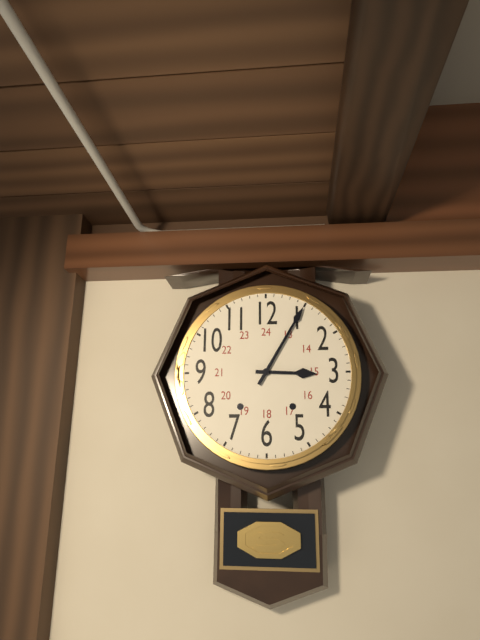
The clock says 3h05
